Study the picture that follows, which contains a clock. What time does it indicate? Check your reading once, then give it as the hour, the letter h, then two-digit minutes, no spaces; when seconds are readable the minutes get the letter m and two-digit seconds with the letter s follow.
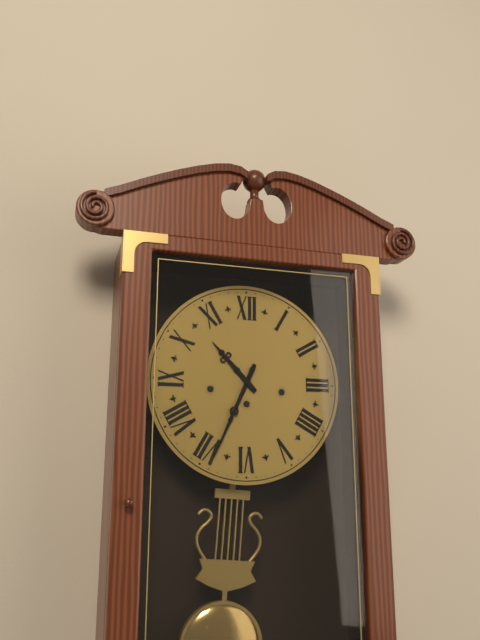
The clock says 10h34
